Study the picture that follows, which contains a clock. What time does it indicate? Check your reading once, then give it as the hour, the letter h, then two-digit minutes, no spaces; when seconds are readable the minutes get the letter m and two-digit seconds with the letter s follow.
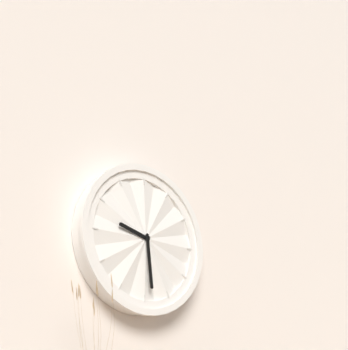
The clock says 9h29
